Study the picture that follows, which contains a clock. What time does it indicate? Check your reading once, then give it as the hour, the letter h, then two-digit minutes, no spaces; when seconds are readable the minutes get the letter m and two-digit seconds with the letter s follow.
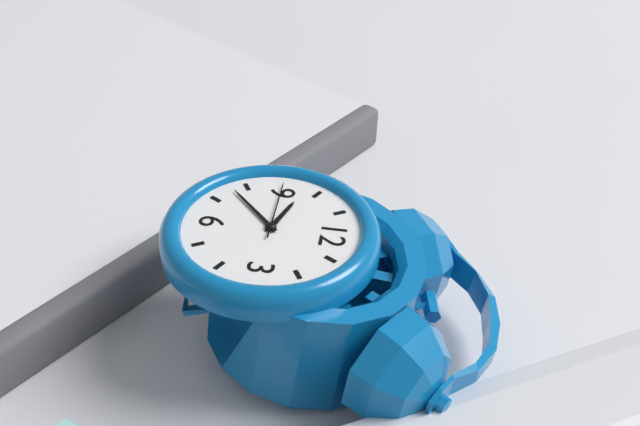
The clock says 9h38m45s
